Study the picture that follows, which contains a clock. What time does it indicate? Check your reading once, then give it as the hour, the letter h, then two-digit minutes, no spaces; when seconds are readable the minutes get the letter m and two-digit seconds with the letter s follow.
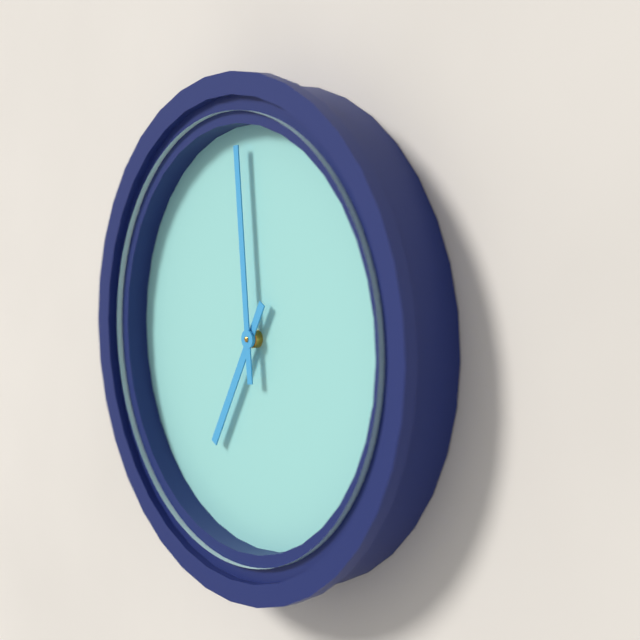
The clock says 6h59
